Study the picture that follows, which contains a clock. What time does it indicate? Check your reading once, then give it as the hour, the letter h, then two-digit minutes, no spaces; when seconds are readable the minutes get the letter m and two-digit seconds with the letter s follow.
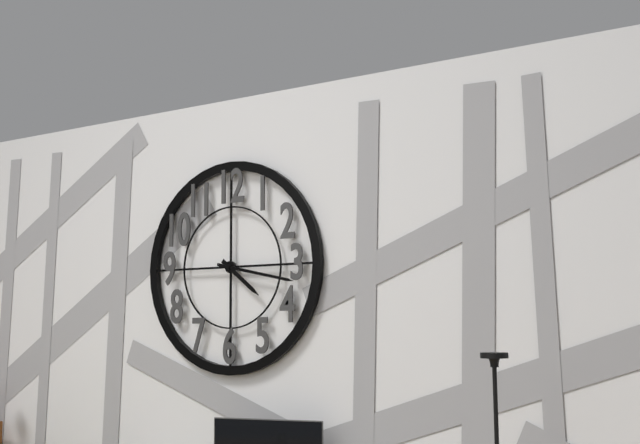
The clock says 4h17
